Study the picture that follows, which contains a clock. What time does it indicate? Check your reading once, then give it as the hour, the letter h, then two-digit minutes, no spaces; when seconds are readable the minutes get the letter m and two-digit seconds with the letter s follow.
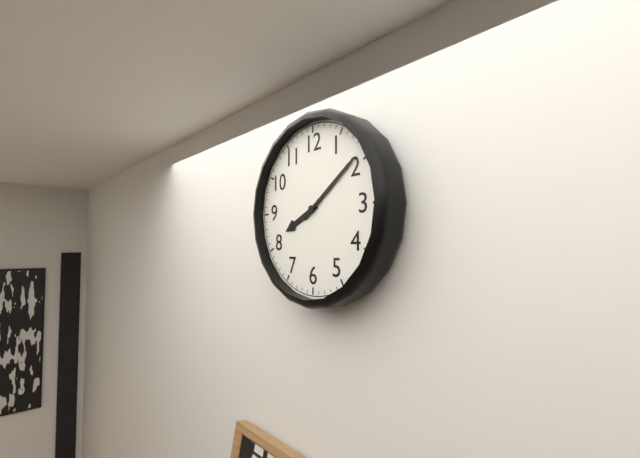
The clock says 8h09
